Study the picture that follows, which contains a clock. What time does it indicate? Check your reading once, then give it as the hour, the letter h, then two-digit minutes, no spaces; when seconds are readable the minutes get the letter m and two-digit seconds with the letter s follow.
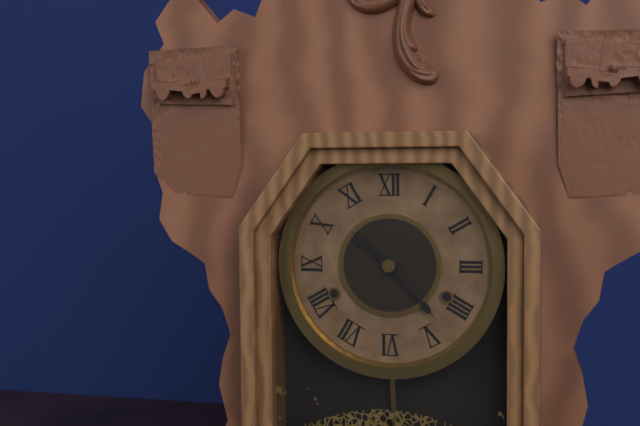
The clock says 10h23
